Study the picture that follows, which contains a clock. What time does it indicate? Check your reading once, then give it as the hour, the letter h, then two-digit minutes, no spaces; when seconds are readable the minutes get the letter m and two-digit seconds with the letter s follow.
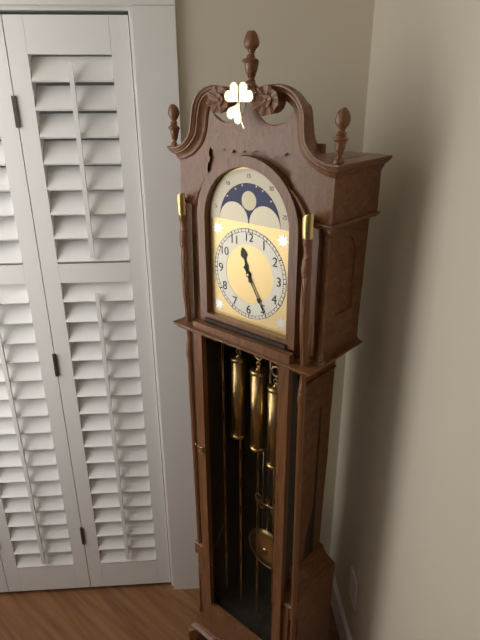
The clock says 11h25
